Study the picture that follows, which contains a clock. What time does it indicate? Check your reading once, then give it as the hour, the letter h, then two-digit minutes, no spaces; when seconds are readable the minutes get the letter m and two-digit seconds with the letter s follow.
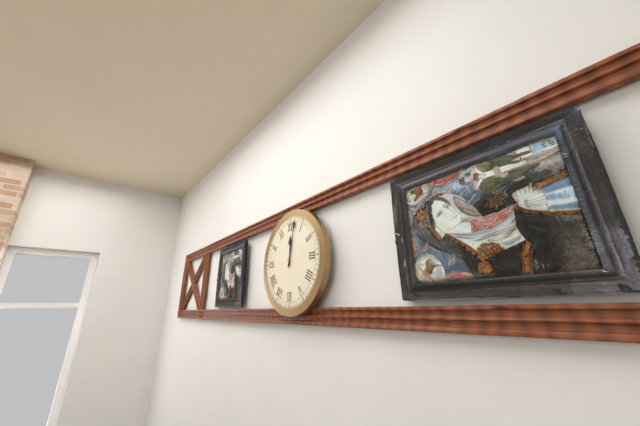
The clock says 12h02
